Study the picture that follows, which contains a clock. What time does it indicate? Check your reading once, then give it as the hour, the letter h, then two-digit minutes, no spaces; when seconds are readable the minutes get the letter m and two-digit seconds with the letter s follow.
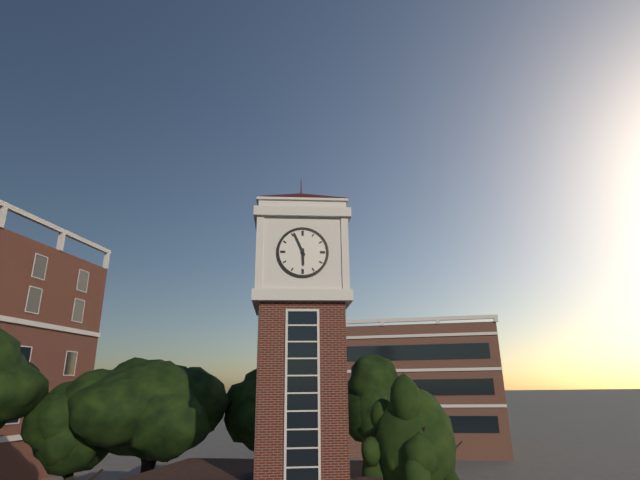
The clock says 5h56
